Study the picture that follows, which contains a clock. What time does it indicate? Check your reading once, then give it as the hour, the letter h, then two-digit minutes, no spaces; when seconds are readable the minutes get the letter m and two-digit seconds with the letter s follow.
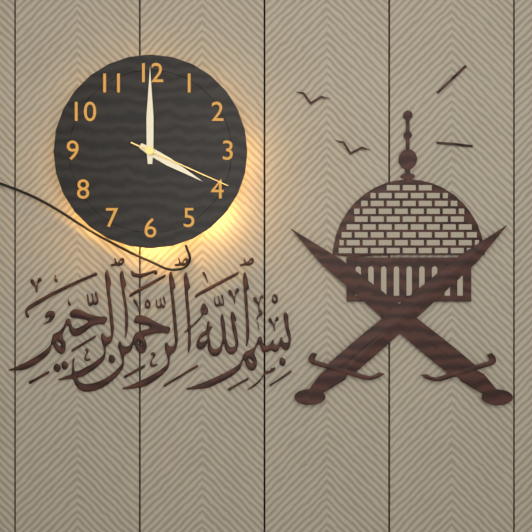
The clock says 4h00m19s
